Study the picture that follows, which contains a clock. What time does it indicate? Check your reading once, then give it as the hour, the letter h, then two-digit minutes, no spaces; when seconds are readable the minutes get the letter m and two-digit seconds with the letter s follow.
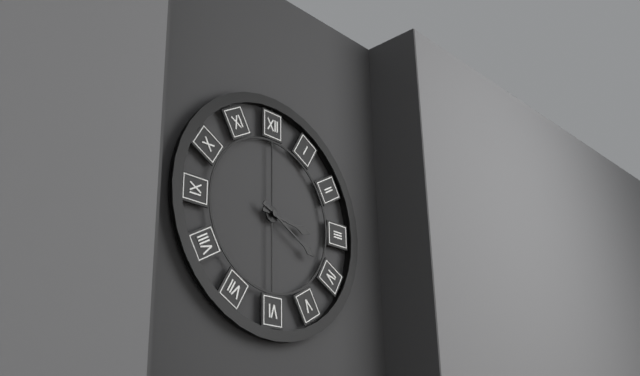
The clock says 3h20
